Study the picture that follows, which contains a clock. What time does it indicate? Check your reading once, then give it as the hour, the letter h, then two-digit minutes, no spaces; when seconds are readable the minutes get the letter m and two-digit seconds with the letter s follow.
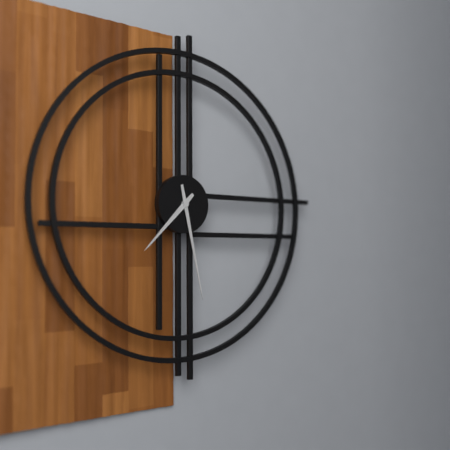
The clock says 7h28
